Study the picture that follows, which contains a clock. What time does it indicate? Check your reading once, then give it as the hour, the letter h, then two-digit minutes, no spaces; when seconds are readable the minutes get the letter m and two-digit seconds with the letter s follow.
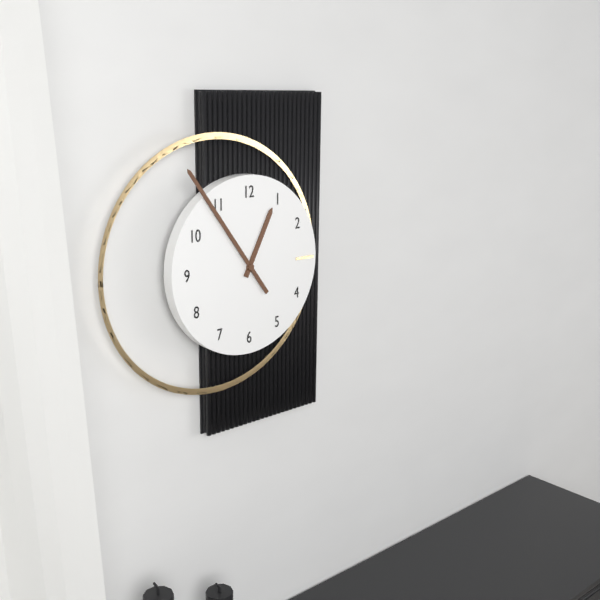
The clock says 12h54
